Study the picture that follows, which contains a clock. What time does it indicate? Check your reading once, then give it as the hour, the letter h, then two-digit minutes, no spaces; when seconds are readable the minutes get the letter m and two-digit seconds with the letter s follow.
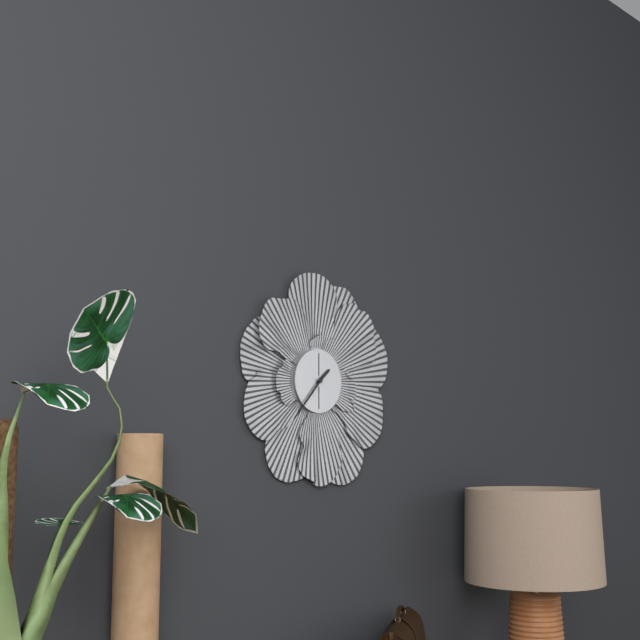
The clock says 1h37
